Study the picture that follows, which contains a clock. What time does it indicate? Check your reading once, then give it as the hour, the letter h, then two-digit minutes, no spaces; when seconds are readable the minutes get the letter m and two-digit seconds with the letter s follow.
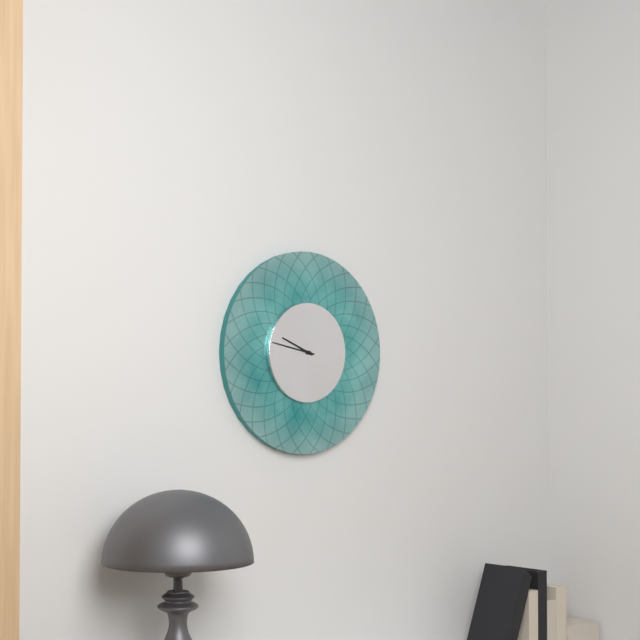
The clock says 9h47
